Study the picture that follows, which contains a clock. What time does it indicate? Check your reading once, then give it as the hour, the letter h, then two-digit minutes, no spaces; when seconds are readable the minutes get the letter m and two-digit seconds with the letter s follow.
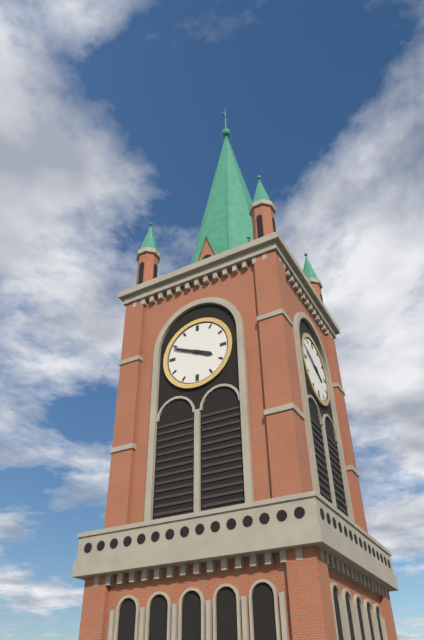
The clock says 3h49
